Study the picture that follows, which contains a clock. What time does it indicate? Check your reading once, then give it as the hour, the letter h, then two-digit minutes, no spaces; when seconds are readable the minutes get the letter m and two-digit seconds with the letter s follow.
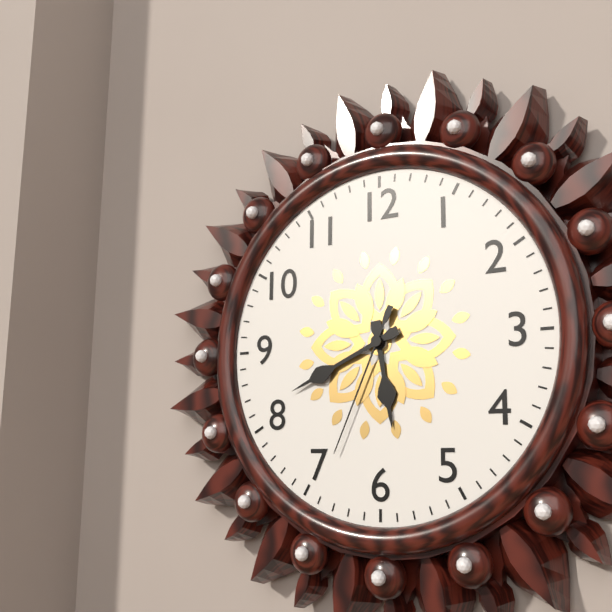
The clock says 5h41m34s
